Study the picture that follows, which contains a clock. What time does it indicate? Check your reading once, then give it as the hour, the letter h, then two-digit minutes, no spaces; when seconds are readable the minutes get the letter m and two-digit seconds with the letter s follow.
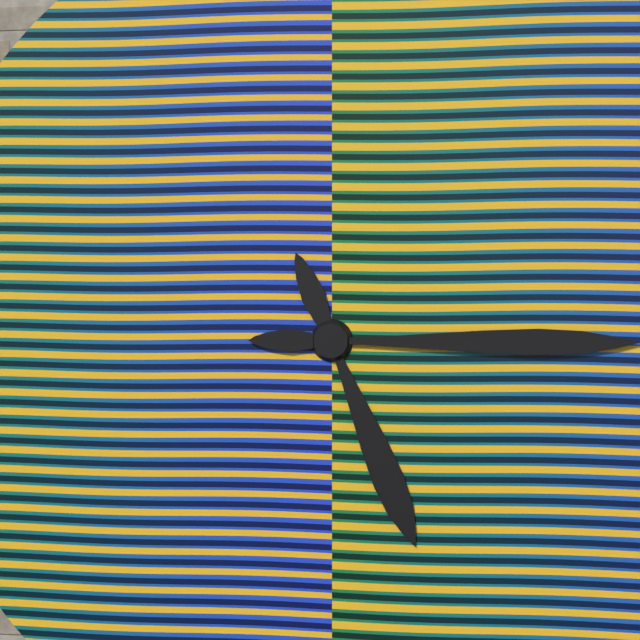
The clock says 5h15
